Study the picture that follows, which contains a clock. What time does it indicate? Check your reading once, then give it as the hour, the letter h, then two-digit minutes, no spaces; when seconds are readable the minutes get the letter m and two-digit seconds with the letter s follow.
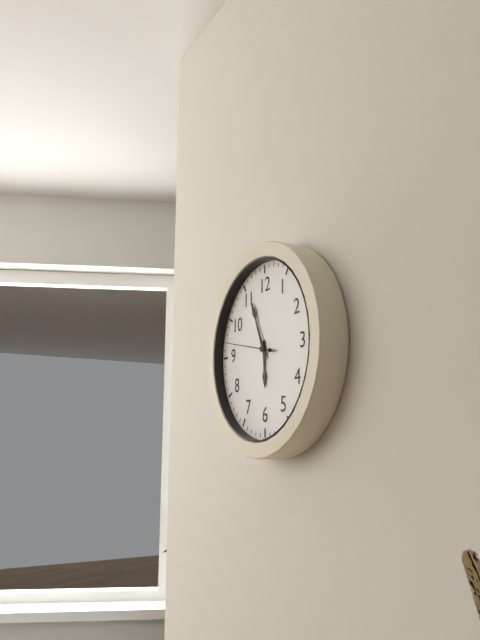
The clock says 5h56
